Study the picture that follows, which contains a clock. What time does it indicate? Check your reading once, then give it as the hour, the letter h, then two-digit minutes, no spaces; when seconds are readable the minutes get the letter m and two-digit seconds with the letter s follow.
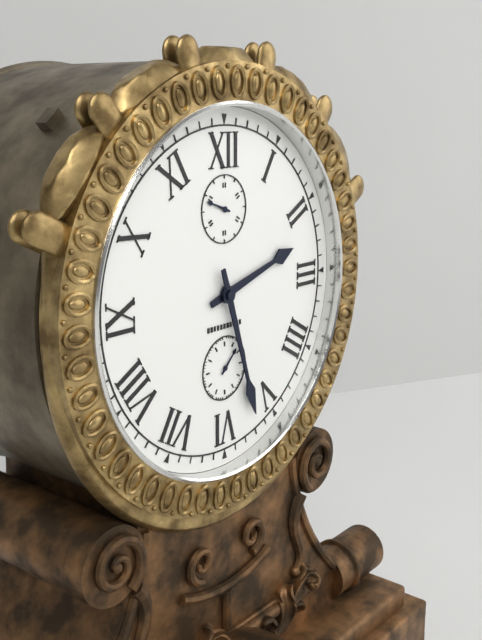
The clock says 2h27
